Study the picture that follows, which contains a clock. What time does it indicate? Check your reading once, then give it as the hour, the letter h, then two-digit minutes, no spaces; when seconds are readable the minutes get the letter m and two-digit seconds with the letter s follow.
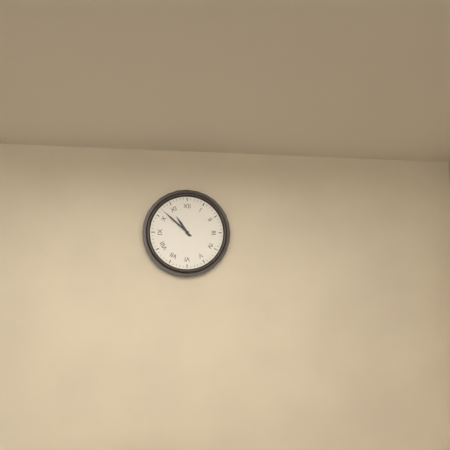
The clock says 10h52
